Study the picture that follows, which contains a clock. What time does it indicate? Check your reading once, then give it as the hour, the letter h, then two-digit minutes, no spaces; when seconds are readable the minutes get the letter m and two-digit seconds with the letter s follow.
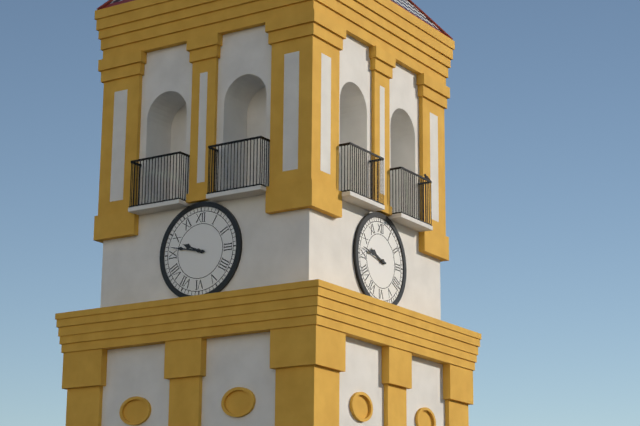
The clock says 9h47
